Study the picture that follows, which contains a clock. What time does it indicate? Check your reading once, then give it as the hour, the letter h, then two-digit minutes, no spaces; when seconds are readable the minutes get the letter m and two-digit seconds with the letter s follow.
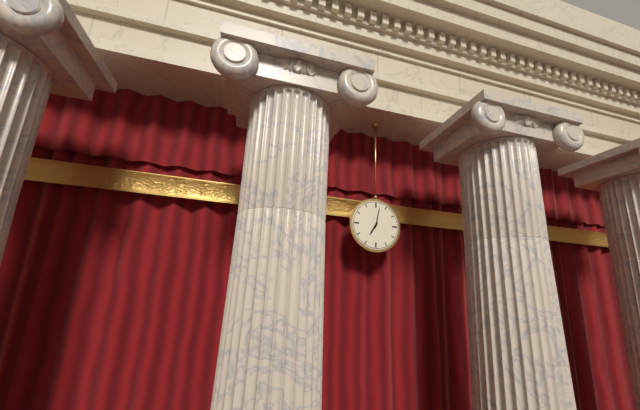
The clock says 7h02
